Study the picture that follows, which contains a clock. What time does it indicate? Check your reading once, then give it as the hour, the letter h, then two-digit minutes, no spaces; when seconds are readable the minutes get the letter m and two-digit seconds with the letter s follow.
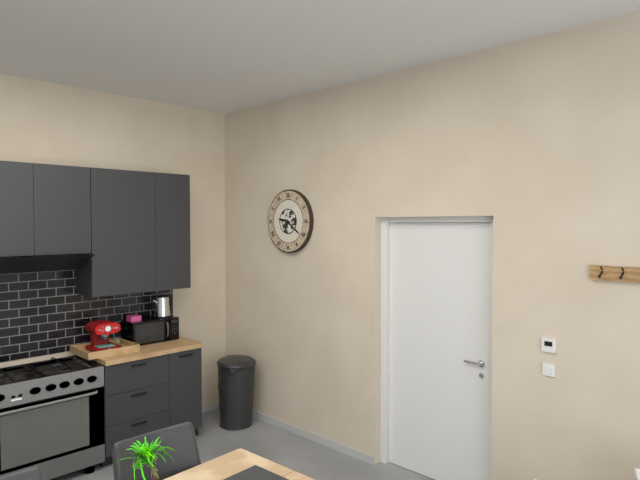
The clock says 9h21
